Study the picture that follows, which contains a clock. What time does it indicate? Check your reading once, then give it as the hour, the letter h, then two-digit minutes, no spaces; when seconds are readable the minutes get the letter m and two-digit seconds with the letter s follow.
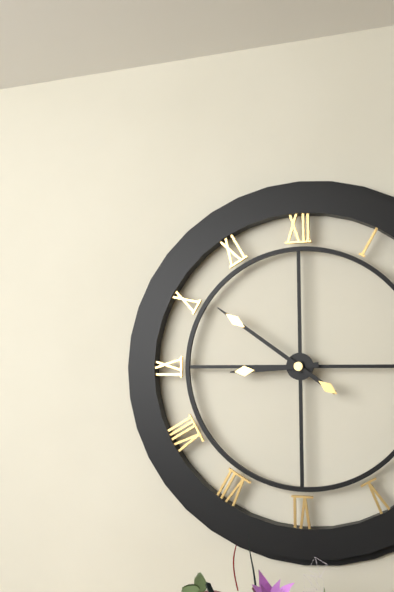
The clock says 8h51
